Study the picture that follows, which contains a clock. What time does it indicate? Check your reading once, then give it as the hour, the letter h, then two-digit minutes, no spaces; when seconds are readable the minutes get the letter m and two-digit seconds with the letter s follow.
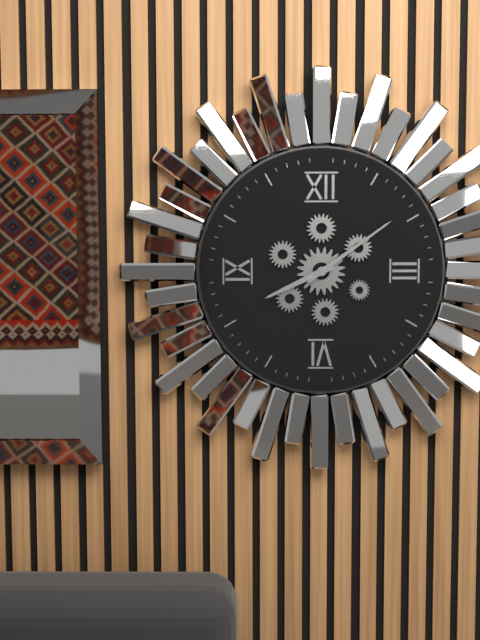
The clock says 8h09
